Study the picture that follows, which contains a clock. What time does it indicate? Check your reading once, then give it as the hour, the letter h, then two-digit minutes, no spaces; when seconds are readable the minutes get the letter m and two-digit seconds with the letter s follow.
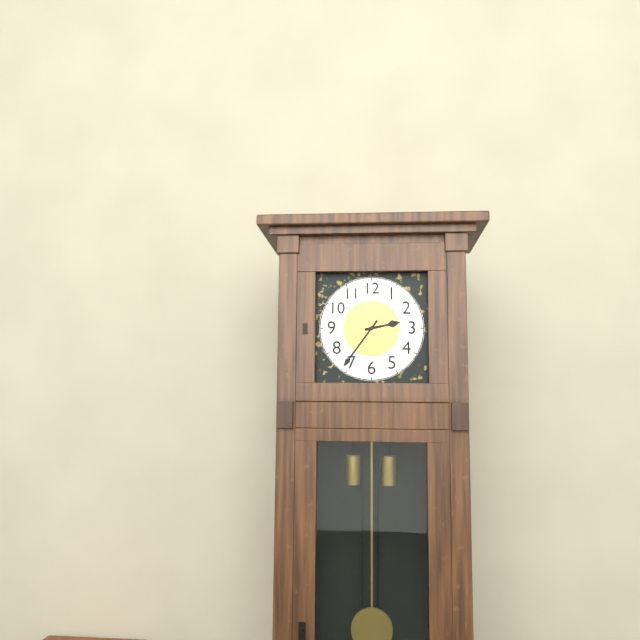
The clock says 2h36
